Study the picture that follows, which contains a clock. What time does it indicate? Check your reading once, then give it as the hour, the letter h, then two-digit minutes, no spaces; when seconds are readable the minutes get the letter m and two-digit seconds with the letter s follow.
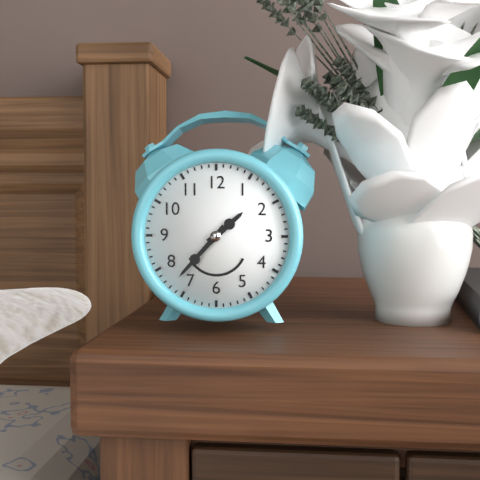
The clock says 1h37
